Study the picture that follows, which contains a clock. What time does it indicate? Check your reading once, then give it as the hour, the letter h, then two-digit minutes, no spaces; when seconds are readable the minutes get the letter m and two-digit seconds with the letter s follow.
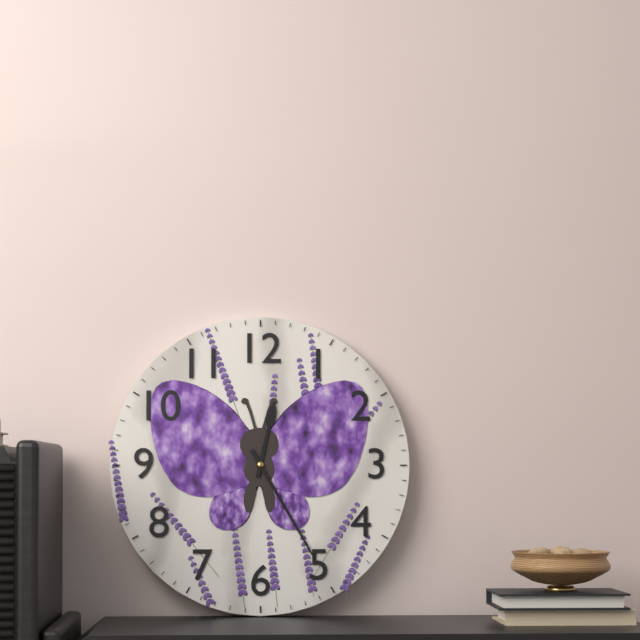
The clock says 12h25
